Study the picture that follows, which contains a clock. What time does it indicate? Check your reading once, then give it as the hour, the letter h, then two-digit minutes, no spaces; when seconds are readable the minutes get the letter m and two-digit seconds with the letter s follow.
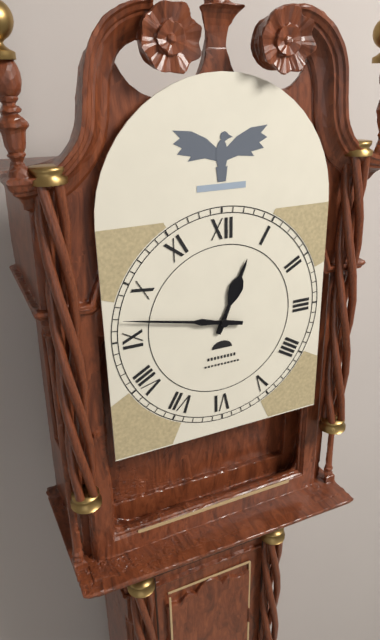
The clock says 12h47
